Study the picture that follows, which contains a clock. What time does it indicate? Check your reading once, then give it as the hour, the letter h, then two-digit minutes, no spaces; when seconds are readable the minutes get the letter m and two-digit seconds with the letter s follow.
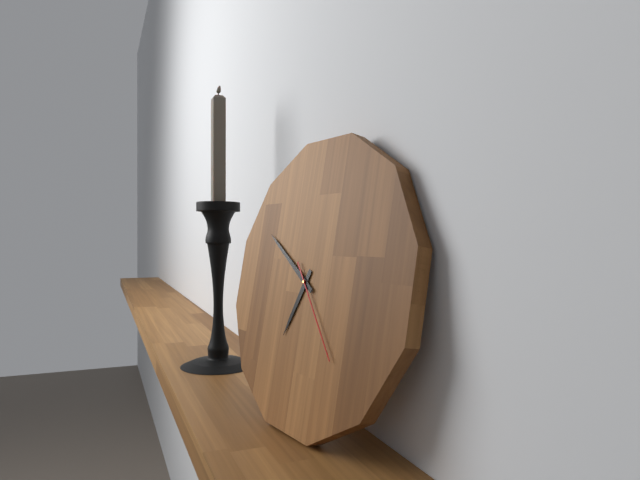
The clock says 6h50m23s
